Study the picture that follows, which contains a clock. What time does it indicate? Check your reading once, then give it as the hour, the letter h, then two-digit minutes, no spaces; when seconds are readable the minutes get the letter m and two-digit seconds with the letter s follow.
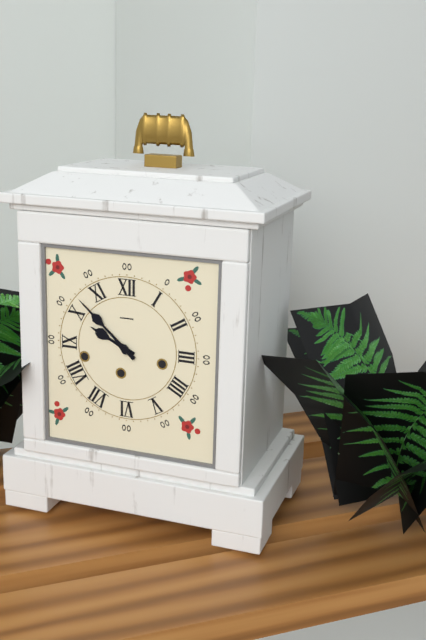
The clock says 9h52
